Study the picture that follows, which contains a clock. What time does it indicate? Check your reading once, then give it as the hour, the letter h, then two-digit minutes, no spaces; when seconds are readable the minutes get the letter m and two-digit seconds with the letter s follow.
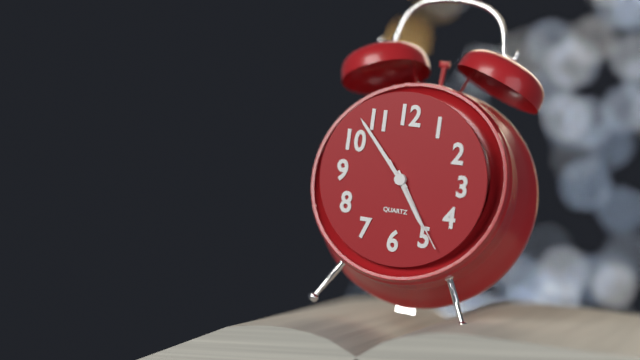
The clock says 4h53m24s
